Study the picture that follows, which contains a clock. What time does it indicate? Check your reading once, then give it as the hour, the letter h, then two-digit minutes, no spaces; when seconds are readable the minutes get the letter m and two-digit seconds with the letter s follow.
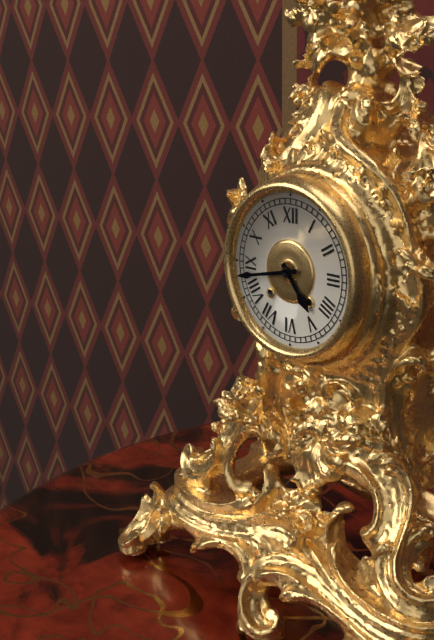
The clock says 4h43
